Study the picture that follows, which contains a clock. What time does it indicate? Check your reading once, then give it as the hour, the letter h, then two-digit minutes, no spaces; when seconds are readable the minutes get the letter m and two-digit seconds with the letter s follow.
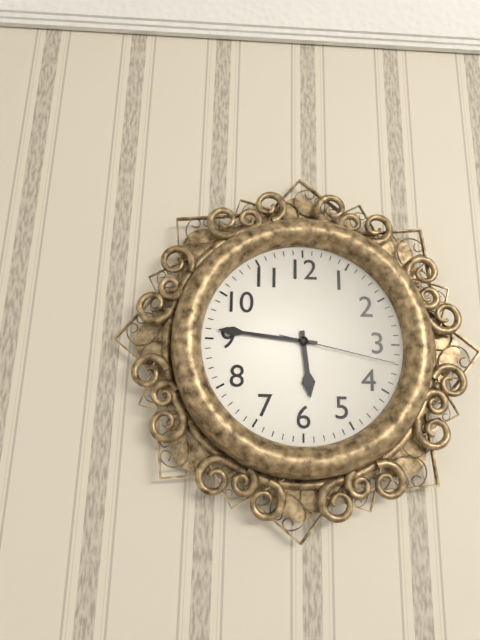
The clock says 5h46m17s
